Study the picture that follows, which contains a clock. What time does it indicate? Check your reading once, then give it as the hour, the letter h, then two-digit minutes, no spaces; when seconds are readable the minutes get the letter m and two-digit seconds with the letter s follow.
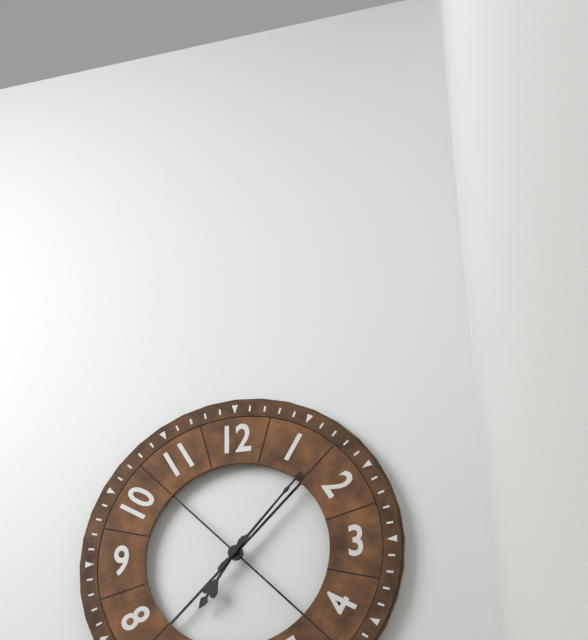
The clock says 7h07
